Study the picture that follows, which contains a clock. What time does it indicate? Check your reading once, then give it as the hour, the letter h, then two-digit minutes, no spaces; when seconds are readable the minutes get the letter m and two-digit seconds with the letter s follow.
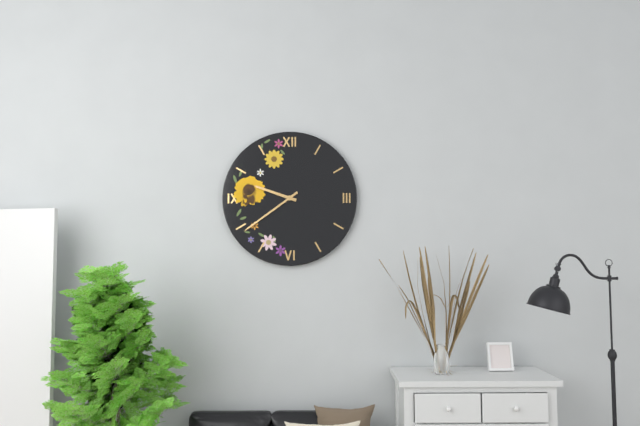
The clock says 9h39
